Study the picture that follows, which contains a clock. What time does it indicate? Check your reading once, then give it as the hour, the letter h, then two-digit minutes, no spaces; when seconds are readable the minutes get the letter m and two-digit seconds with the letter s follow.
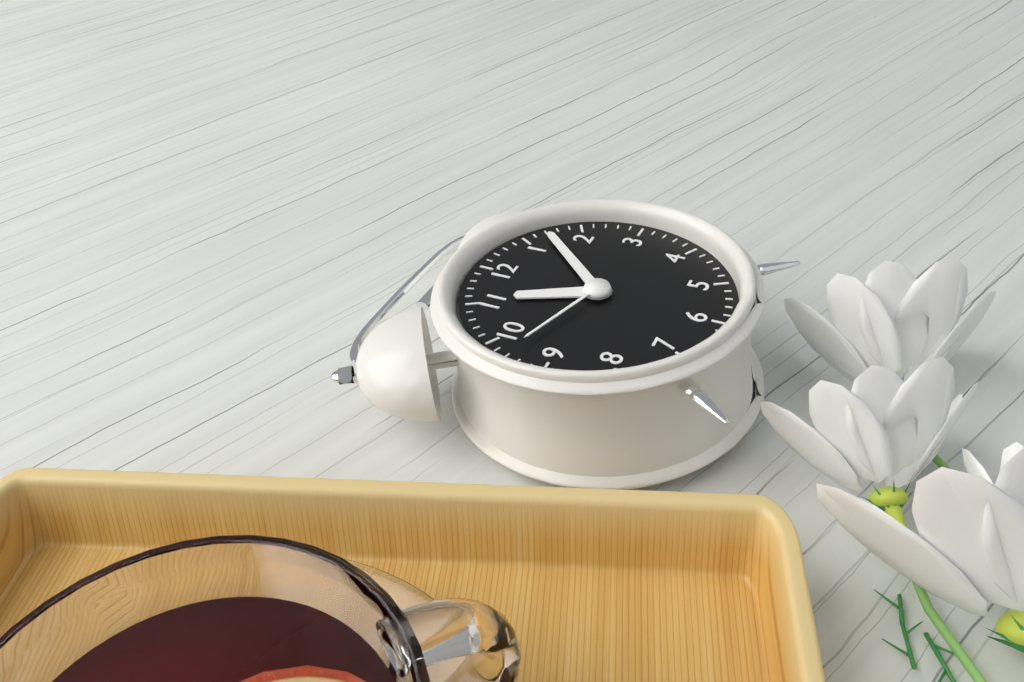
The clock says 11h07m48s
